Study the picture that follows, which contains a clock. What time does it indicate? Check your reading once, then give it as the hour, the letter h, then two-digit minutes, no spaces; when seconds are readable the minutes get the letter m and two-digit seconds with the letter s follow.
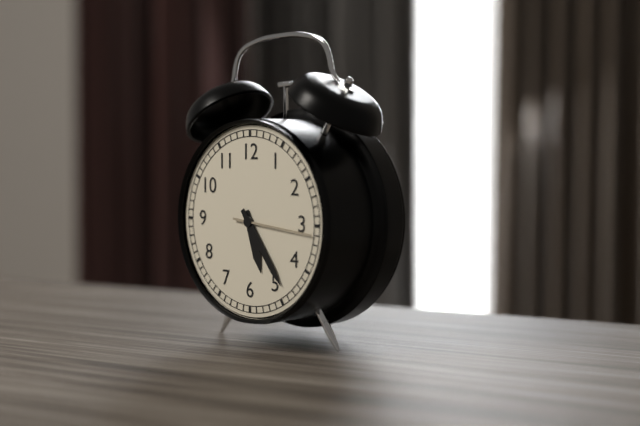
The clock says 5h24m16s
